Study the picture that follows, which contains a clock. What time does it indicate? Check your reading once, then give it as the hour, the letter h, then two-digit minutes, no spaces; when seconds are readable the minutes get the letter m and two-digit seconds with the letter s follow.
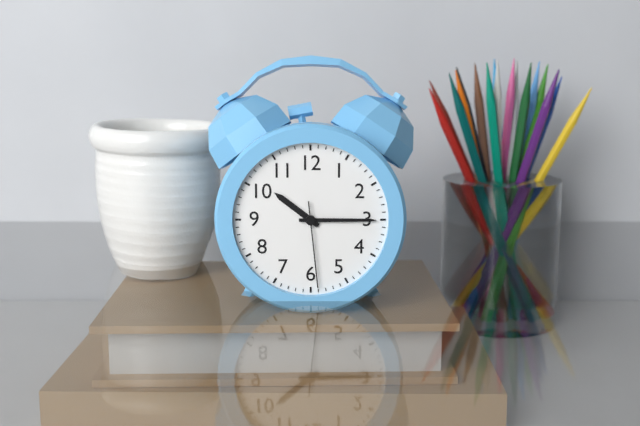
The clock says 10h15m29s
